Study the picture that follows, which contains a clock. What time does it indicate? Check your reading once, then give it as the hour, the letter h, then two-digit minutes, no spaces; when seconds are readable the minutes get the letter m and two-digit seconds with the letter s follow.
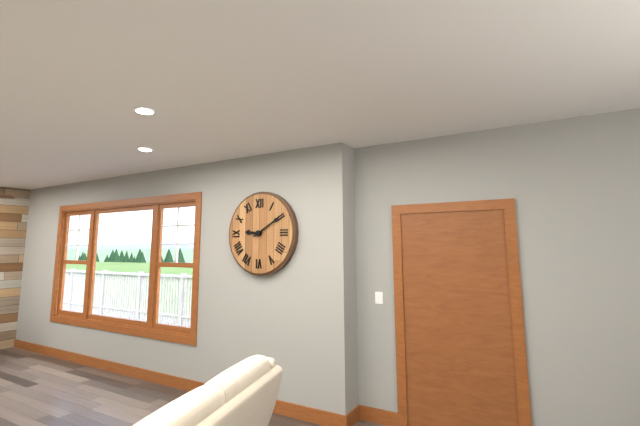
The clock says 9h10
